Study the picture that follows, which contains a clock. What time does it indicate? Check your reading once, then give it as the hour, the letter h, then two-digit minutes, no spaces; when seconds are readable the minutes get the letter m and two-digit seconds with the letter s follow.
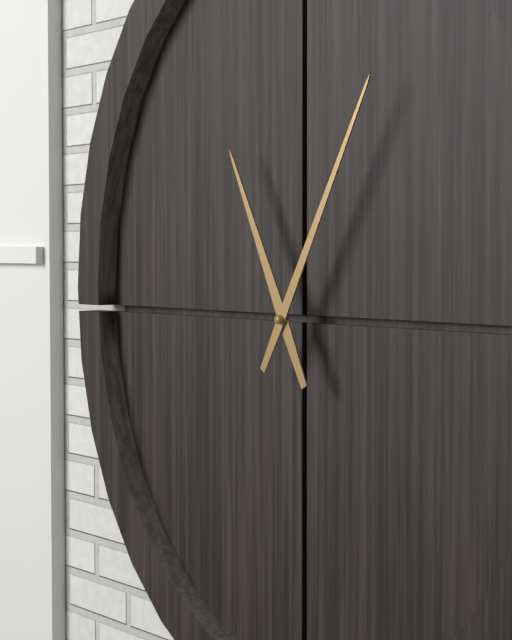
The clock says 11h05
